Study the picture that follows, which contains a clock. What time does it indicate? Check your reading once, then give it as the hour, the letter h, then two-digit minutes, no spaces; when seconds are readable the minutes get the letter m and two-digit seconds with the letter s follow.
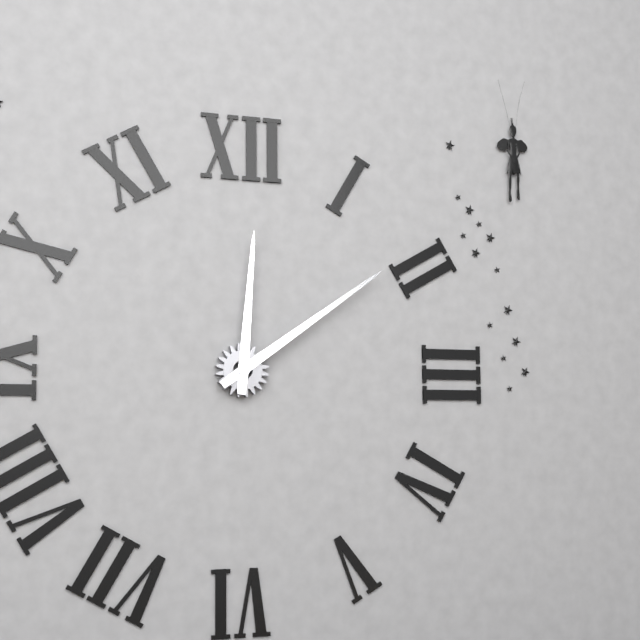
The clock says 12h09
